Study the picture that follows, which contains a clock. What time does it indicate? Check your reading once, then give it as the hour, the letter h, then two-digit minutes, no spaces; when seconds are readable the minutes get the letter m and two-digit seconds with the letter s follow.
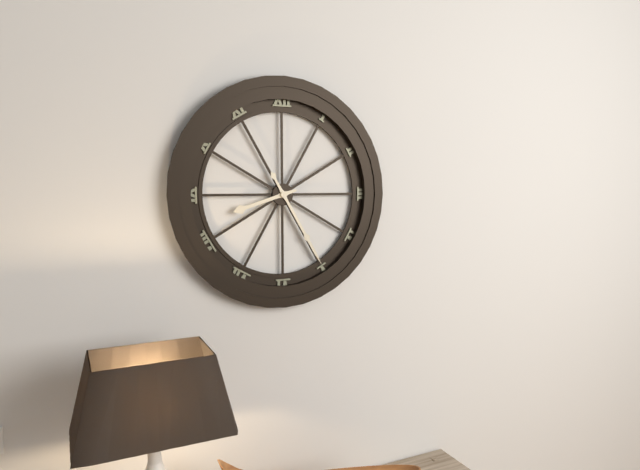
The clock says 8h25
